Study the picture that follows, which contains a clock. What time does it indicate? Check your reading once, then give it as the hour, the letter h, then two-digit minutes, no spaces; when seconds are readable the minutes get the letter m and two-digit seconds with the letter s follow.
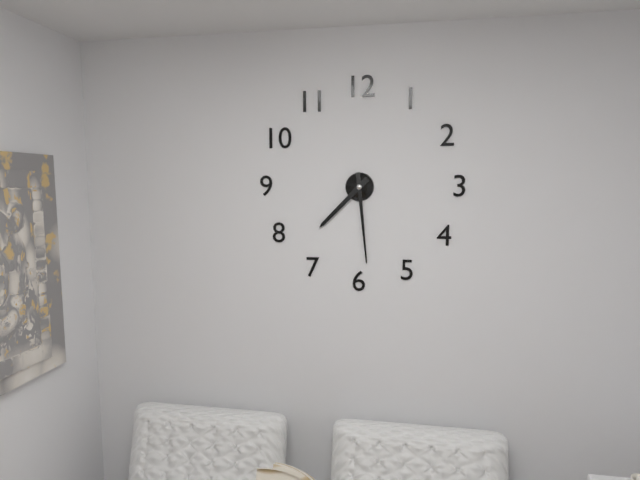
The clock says 7h29
